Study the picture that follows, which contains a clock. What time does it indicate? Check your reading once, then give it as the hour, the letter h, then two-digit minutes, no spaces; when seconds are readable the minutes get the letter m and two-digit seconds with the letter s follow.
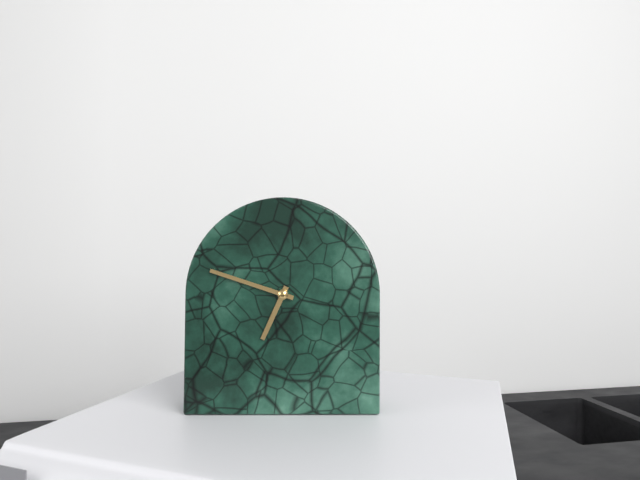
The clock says 6h48
